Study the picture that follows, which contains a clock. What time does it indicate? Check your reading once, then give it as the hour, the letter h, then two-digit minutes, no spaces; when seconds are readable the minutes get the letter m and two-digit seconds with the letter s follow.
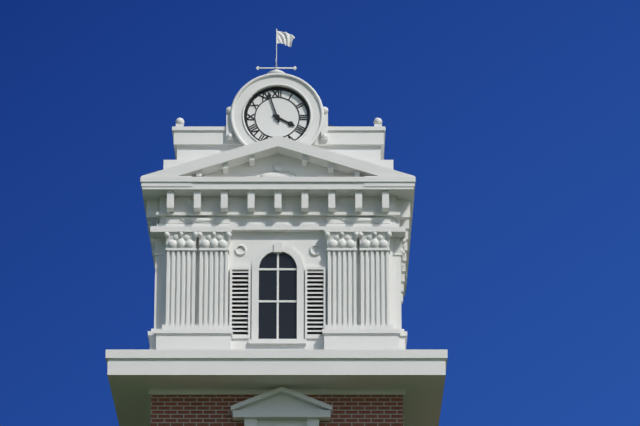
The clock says 3h57
